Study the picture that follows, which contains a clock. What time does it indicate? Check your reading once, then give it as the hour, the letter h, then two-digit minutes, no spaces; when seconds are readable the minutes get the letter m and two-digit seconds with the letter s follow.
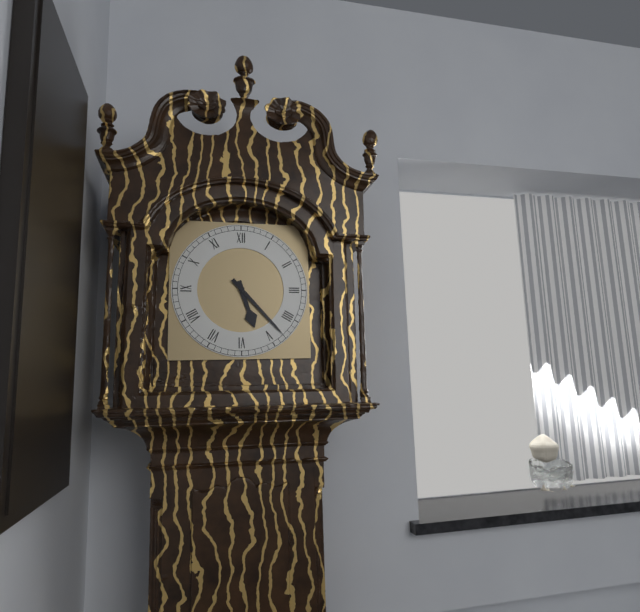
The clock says 5h23
